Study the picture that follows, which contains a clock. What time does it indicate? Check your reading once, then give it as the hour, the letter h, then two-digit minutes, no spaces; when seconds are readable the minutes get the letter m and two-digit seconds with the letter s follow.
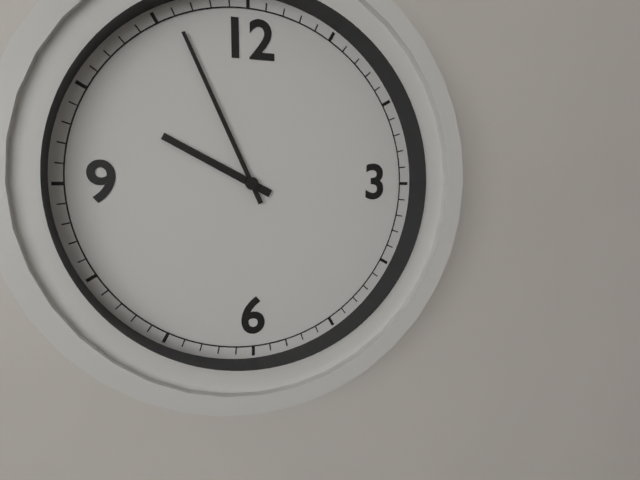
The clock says 9h56
